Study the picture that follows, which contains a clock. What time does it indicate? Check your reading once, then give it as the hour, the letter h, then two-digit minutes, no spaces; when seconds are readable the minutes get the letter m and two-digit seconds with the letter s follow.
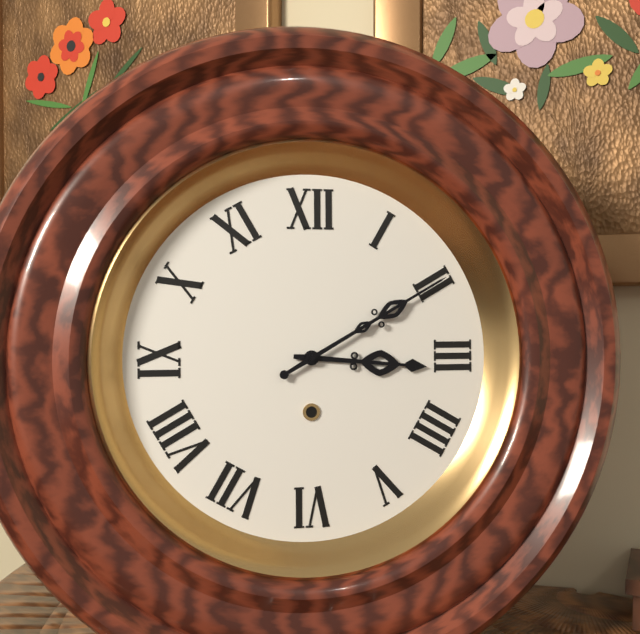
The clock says 3h10
